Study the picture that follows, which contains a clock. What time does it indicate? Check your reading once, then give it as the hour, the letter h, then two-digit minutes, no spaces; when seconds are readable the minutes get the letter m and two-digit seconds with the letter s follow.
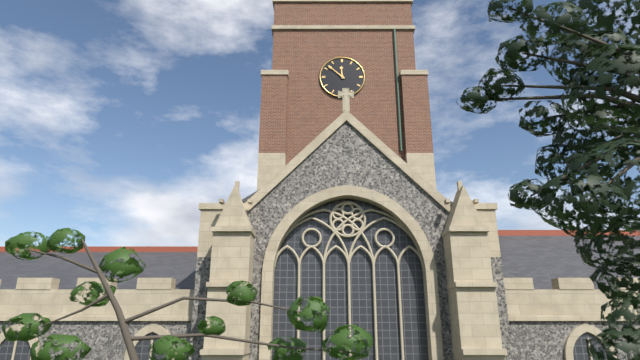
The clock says 11h52
